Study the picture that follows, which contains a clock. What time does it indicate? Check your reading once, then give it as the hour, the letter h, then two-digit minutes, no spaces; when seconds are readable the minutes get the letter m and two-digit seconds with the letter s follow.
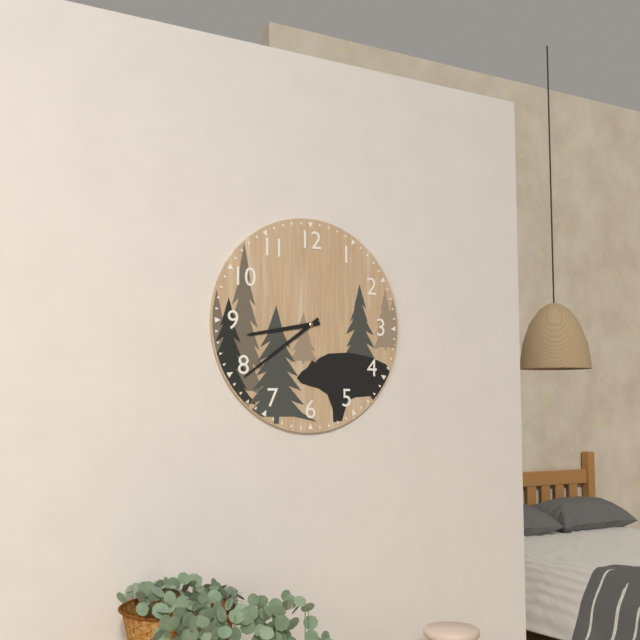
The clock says 8h39
